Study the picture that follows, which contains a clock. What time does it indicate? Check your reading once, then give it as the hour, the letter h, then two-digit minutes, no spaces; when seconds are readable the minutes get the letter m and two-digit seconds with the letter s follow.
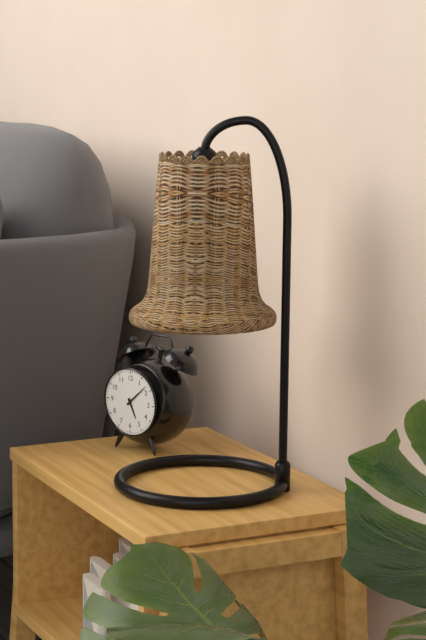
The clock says 5h08
